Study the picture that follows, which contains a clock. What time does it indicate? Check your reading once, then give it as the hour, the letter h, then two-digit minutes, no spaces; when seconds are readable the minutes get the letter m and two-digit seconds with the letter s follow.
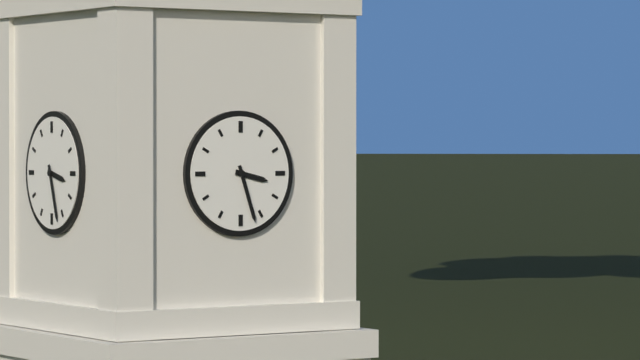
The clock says 3h27
